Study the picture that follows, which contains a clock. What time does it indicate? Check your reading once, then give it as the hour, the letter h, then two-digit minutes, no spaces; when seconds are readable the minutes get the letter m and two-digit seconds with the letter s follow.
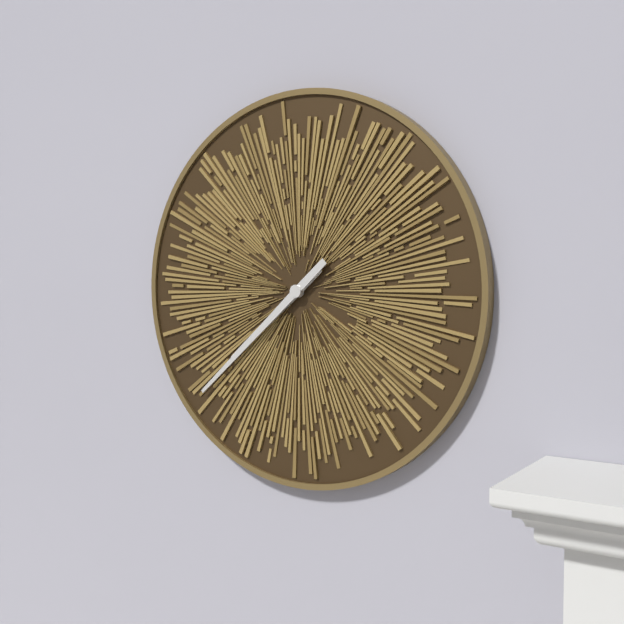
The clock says 7h38
